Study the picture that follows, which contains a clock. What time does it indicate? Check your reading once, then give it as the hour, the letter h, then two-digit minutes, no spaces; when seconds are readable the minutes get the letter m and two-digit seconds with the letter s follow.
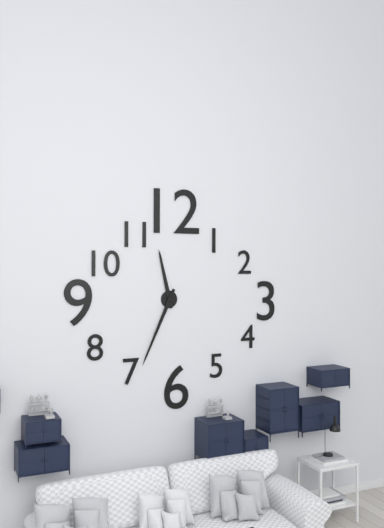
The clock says 11h34
